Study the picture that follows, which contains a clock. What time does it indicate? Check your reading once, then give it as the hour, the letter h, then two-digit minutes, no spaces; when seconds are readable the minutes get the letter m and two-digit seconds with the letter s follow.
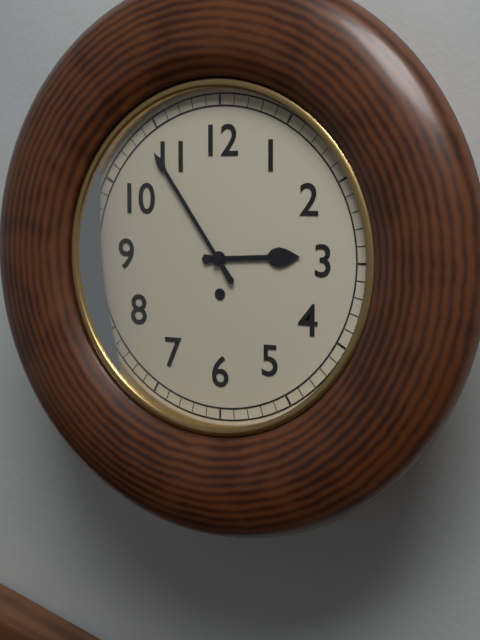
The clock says 2h54
